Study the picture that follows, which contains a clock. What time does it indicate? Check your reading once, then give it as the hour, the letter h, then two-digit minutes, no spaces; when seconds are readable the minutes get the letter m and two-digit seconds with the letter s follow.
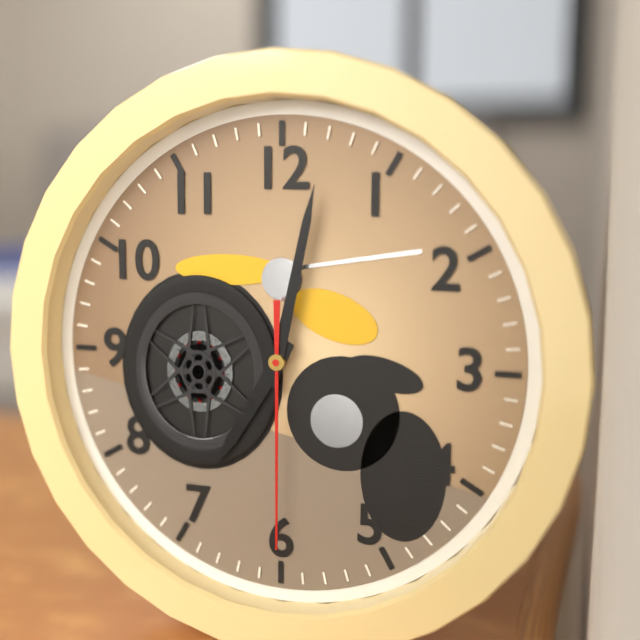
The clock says 7h02m30s
